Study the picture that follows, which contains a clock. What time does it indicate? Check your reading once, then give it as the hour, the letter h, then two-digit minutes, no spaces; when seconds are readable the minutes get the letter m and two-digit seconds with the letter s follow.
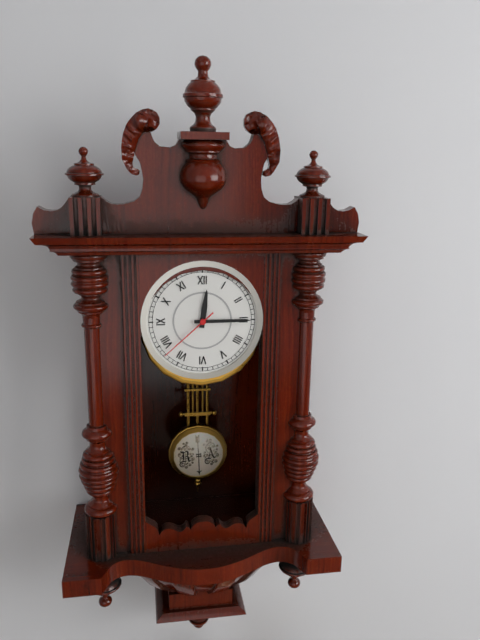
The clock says 12h15m38s
